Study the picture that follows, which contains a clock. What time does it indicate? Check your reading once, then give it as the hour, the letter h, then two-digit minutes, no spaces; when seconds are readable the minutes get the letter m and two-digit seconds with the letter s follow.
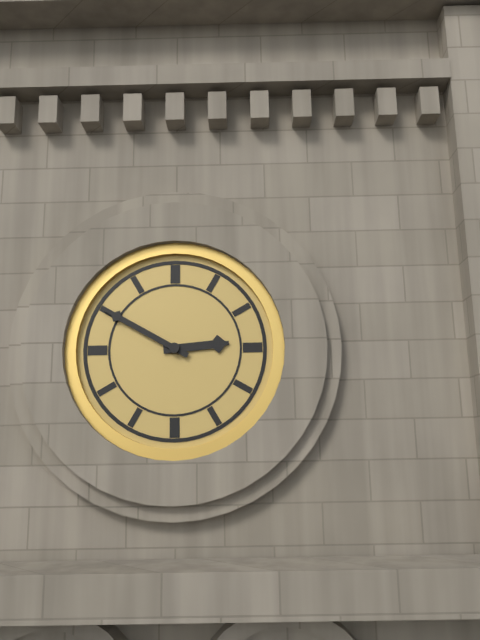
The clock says 2h50
